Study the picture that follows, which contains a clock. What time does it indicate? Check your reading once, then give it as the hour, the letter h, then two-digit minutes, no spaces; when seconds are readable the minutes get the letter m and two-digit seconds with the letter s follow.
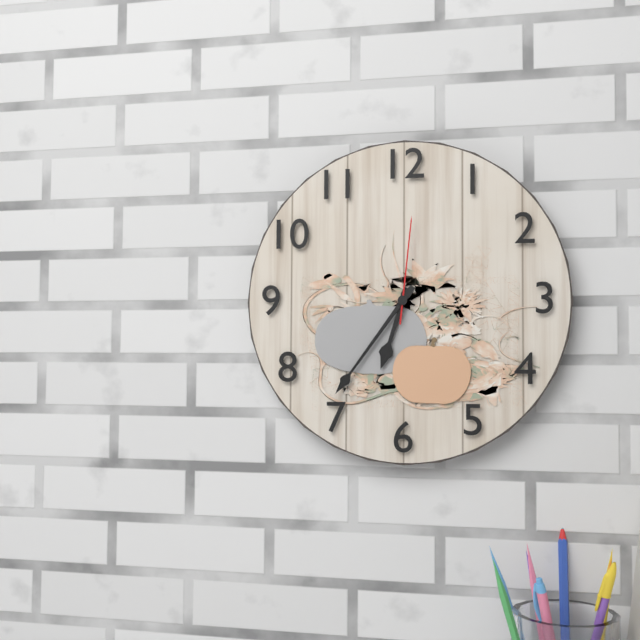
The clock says 6h36m01s
